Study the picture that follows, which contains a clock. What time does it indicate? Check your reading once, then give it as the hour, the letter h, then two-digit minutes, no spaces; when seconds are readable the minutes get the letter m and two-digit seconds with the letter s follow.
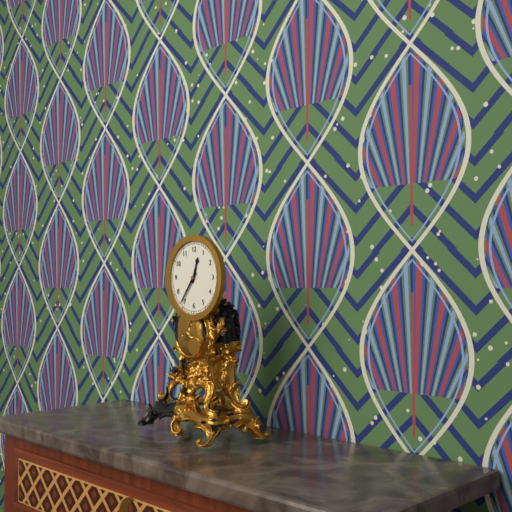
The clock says 12h36
